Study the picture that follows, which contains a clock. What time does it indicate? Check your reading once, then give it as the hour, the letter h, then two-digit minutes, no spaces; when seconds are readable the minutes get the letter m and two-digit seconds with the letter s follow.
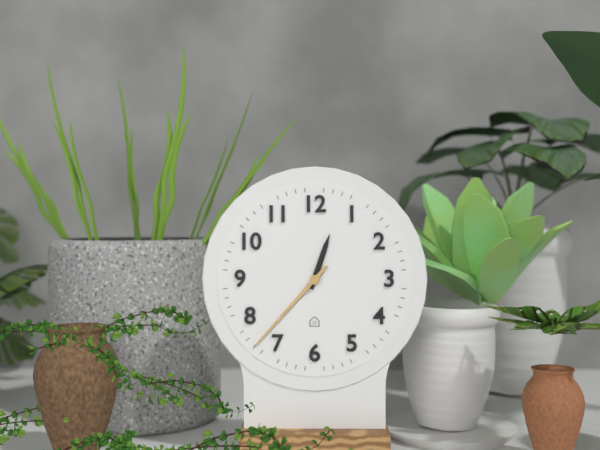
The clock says 12h37
